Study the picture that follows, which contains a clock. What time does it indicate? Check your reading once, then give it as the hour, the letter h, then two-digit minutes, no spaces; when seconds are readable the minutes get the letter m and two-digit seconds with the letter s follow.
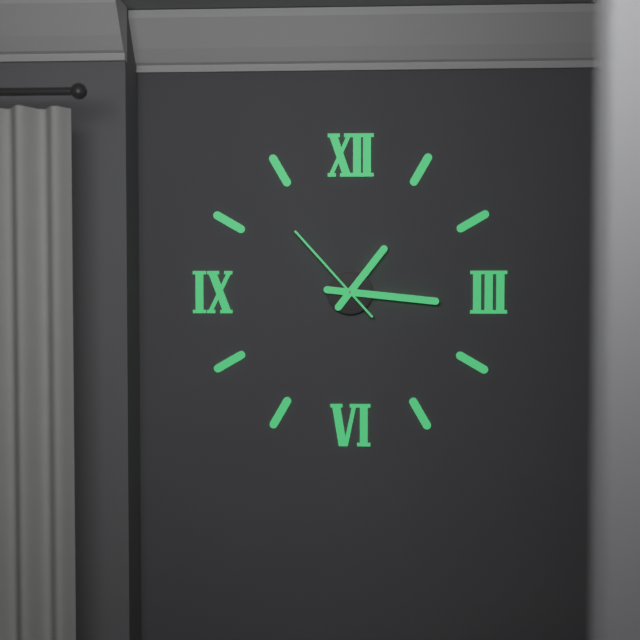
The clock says 1h16m53s
